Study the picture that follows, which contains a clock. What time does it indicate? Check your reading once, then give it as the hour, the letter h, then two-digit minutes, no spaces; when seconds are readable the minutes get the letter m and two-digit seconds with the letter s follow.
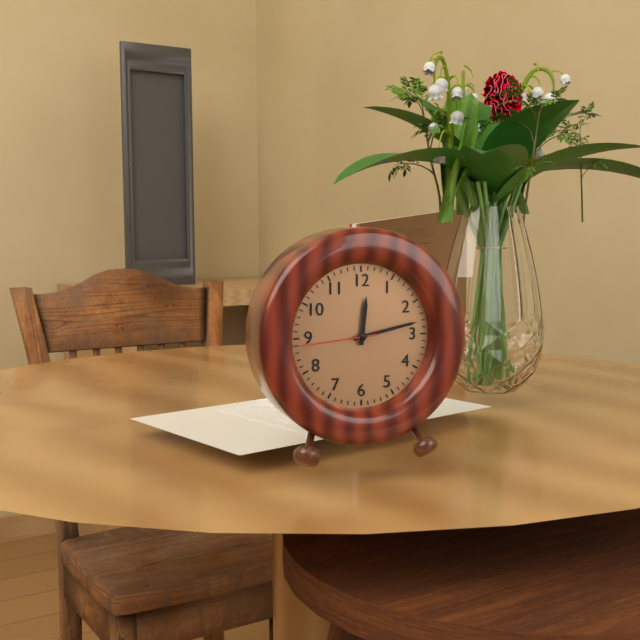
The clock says 12h13m44s
